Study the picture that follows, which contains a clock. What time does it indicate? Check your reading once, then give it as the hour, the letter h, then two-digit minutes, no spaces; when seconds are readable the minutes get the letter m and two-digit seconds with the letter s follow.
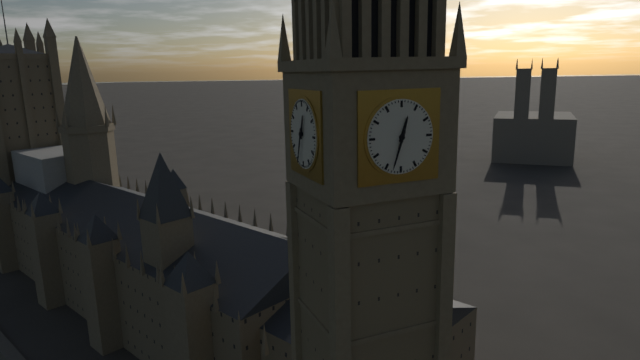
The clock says 12h33
